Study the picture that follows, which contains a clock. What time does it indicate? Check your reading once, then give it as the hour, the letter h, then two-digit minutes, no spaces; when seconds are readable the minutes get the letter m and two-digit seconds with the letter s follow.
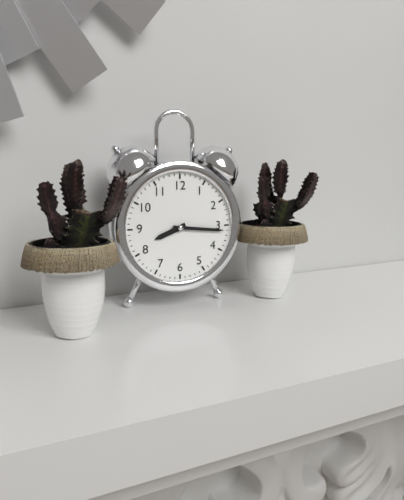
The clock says 8h16
